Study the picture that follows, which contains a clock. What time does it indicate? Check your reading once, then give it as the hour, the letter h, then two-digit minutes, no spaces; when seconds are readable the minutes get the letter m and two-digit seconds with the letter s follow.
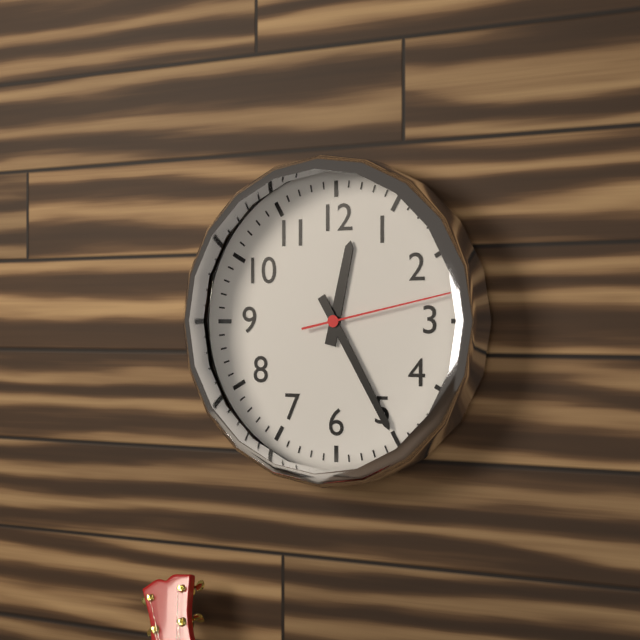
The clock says 12h25m13s
